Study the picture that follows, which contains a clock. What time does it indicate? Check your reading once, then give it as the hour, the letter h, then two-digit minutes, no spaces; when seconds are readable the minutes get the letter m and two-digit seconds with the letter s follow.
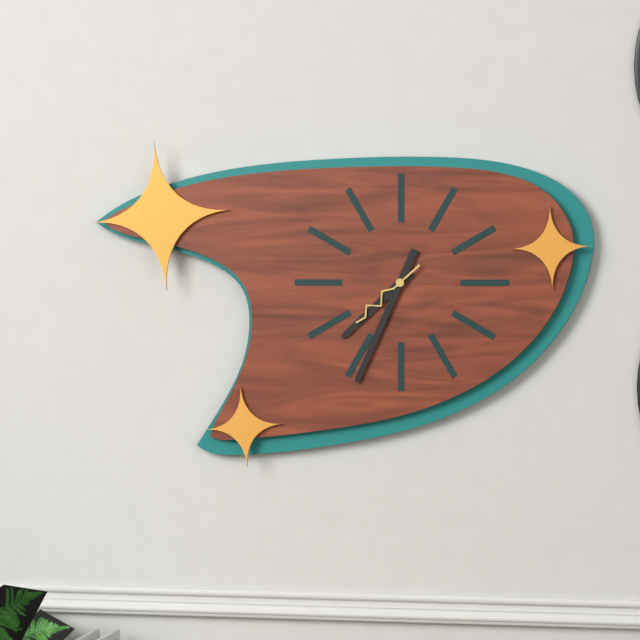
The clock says 7h34m38s
